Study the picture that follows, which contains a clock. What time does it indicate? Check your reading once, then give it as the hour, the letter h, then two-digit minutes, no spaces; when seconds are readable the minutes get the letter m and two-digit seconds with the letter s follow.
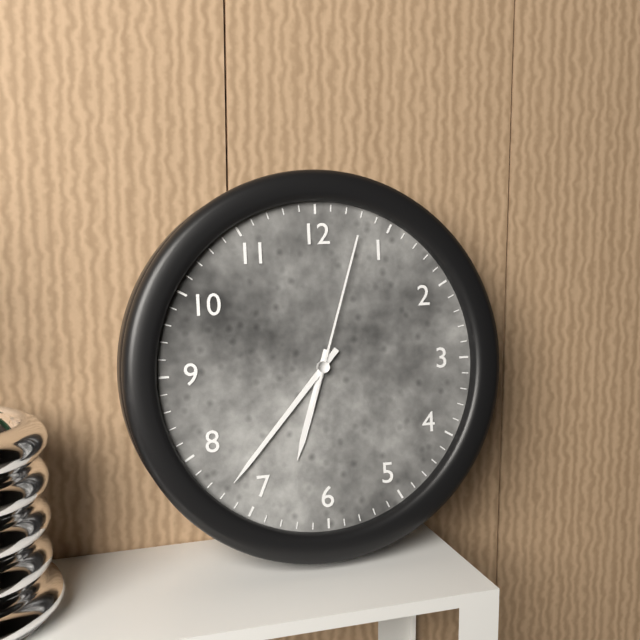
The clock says 6h37m03s
